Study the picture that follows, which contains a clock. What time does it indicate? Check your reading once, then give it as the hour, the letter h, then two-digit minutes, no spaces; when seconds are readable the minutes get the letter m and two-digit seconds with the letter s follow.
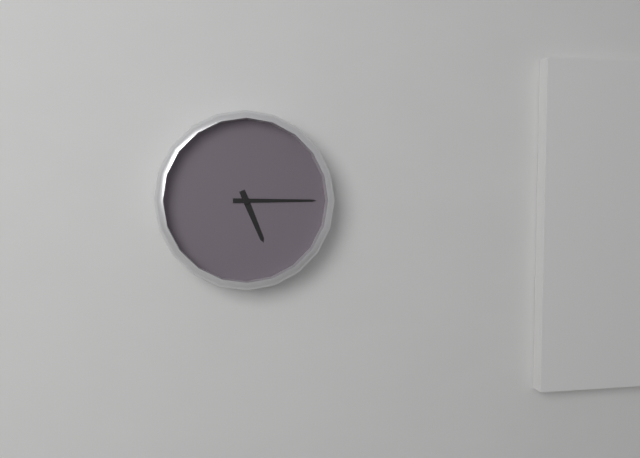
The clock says 5h15
